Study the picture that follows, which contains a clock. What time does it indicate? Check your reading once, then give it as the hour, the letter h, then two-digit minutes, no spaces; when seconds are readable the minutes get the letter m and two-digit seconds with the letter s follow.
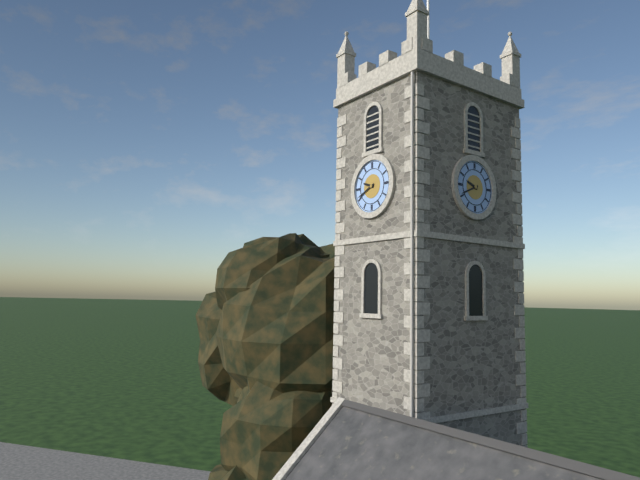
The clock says 9h41
